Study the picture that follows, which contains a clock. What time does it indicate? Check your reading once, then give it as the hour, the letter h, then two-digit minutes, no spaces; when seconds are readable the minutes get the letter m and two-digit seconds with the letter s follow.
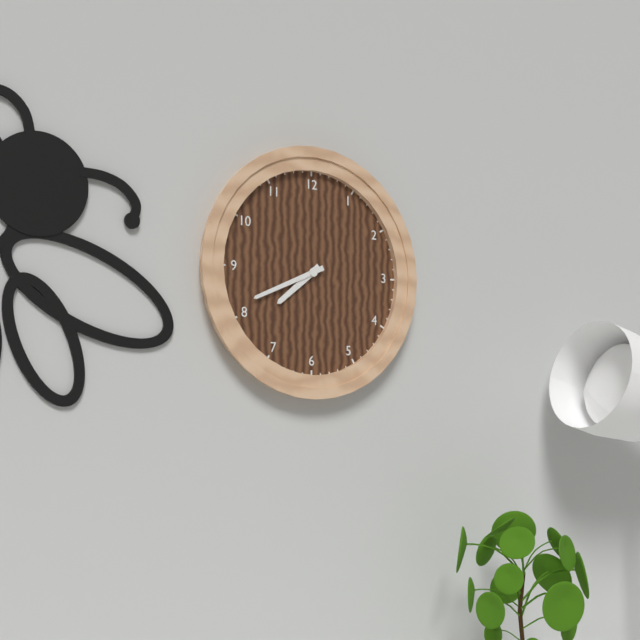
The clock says 7h41
